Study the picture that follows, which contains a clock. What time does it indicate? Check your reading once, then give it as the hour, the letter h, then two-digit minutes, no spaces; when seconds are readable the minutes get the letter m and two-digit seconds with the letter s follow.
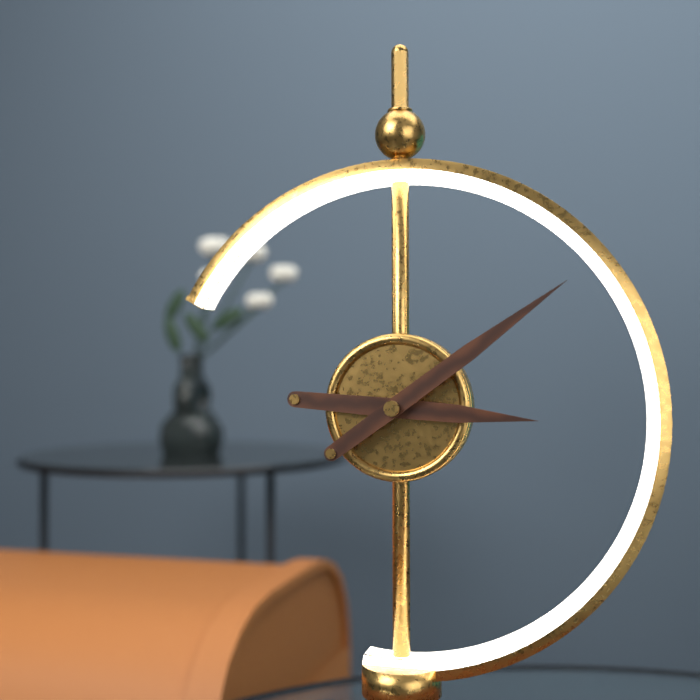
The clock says 3h09
